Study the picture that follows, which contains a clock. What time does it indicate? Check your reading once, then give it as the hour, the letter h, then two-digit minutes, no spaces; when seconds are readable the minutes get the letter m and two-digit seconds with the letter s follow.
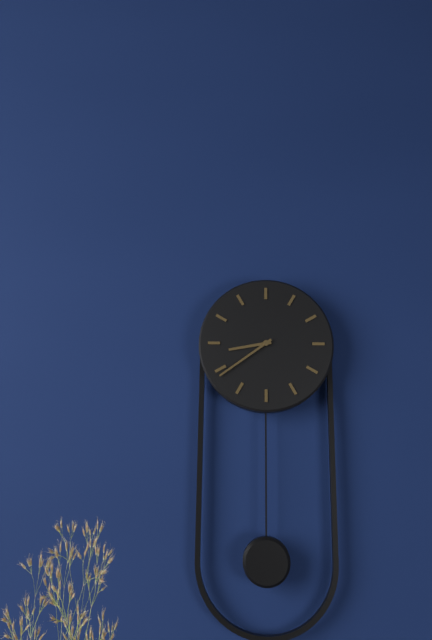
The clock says 8h39
